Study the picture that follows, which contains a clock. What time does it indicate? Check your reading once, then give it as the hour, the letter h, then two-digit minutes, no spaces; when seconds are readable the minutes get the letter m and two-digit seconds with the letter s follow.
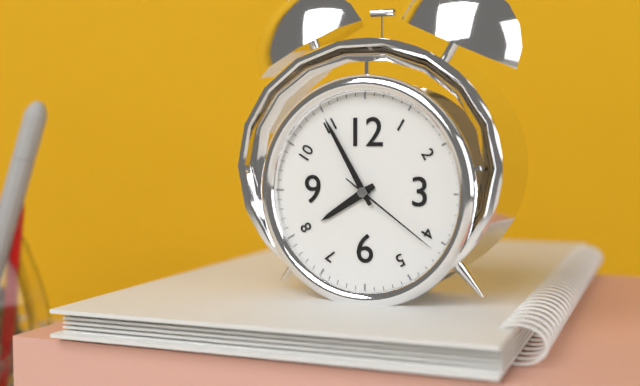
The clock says 7h55m21s
